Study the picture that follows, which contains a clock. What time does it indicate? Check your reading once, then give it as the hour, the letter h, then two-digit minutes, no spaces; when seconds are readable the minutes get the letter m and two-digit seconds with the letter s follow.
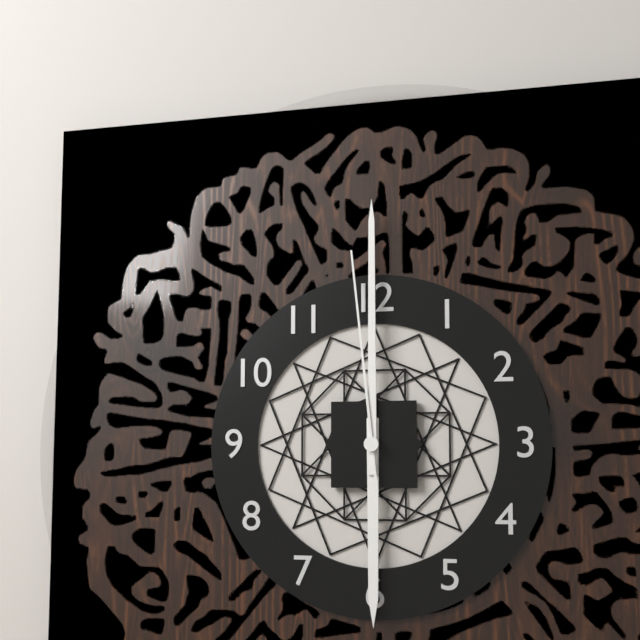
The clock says 6h00m59s
